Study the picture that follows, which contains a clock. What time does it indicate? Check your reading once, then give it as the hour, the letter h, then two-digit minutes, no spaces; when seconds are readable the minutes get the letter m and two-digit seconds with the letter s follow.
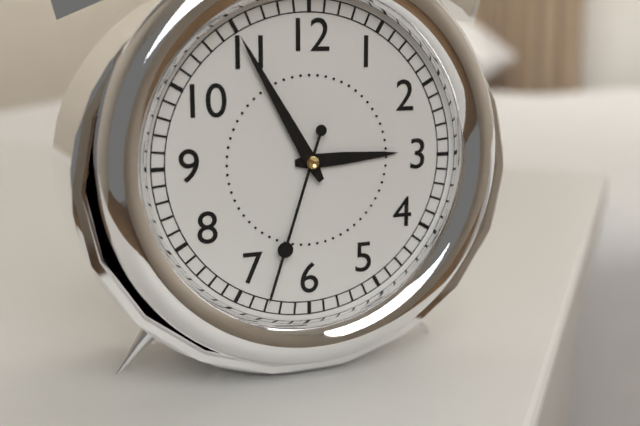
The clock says 2h55m33s
